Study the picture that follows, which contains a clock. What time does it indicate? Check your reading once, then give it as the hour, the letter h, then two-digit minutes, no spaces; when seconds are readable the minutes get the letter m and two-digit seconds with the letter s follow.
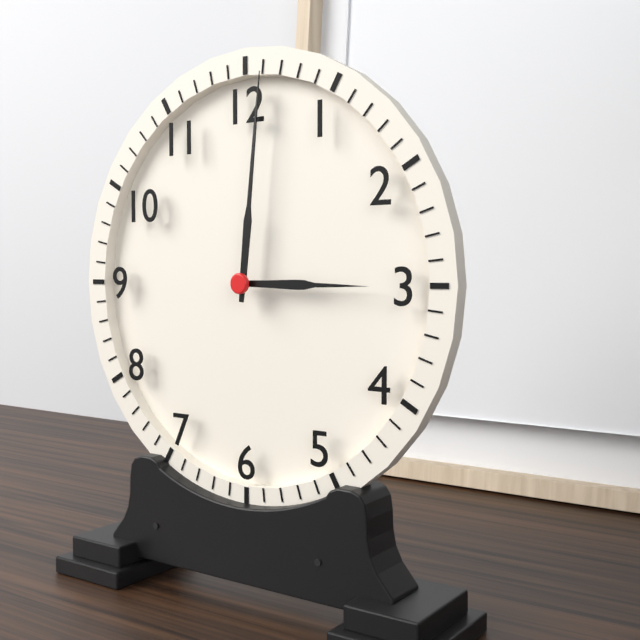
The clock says 3h01
